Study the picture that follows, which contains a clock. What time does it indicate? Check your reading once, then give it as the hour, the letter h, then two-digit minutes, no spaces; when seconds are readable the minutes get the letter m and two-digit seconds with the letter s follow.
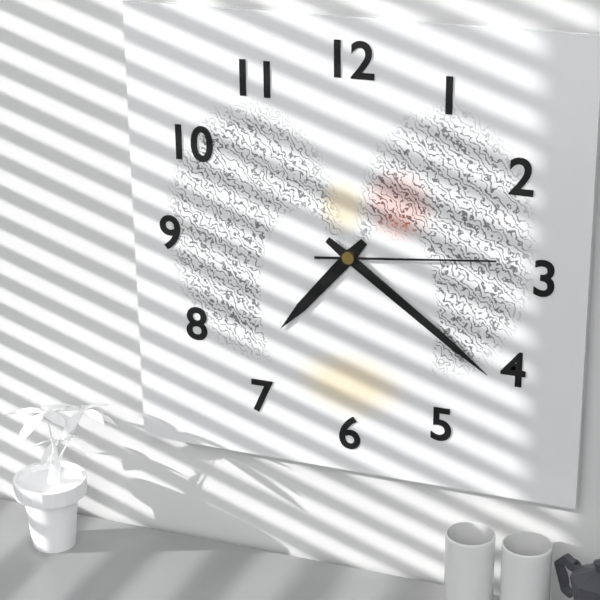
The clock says 7h21m14s
